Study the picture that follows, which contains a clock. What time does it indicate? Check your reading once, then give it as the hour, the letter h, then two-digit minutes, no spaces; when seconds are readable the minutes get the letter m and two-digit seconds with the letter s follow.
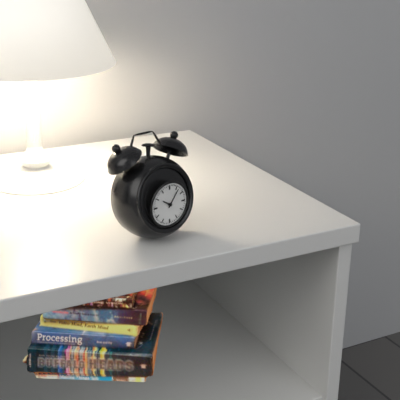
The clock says 10h06
